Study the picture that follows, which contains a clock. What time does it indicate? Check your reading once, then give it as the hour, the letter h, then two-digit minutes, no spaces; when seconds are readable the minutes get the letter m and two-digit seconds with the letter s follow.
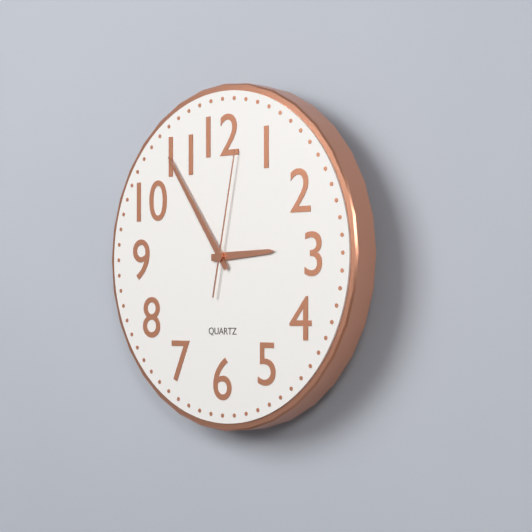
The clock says 2h54m02s
